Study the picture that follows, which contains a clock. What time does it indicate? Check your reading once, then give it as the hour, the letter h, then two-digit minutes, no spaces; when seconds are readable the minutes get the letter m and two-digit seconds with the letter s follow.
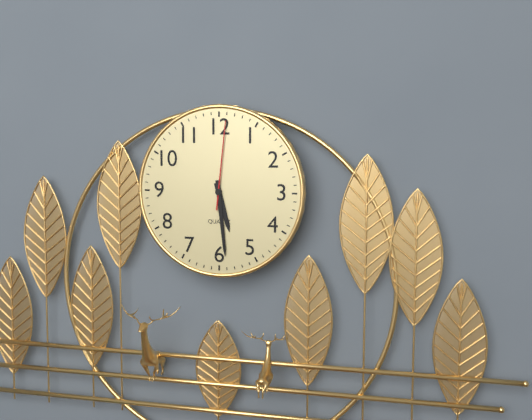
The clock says 5h29m01s
